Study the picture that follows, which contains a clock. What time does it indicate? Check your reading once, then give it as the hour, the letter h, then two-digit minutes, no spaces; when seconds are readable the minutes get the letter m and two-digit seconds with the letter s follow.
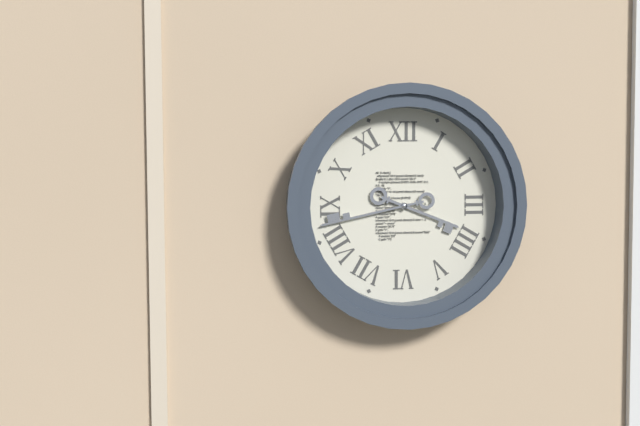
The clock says 3h43
